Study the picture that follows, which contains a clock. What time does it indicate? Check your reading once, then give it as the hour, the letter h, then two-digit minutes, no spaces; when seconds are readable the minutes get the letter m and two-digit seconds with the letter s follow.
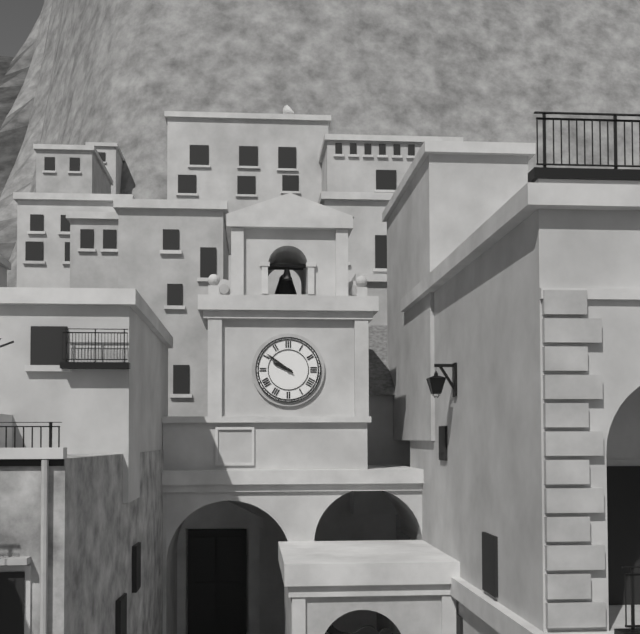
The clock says 9h51
